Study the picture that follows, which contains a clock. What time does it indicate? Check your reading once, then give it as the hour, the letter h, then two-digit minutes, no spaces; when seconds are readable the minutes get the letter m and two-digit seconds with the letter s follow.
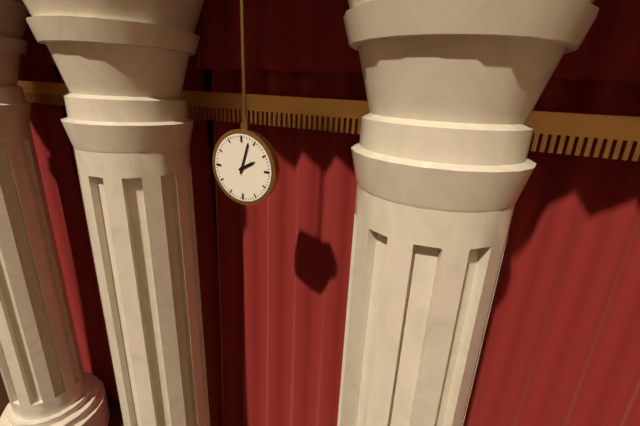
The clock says 2h03
